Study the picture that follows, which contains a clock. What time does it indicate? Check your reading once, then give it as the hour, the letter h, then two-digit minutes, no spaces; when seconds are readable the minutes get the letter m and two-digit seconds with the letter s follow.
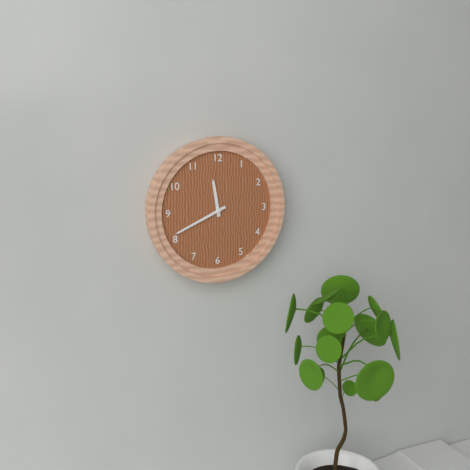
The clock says 11h41
